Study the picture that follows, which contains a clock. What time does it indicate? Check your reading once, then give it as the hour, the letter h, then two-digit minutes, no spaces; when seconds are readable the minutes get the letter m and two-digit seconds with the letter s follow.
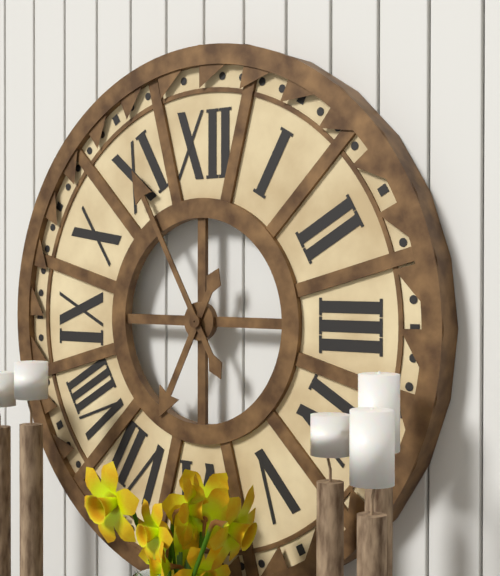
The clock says 6h55
